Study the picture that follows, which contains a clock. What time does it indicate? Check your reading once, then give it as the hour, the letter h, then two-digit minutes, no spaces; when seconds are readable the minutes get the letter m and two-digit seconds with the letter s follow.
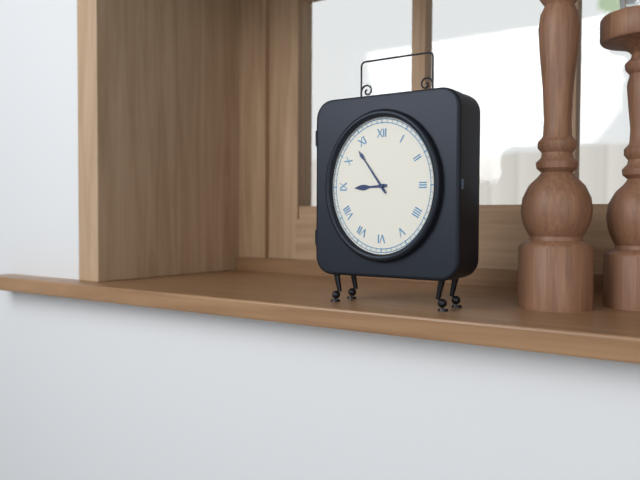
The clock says 8h54
